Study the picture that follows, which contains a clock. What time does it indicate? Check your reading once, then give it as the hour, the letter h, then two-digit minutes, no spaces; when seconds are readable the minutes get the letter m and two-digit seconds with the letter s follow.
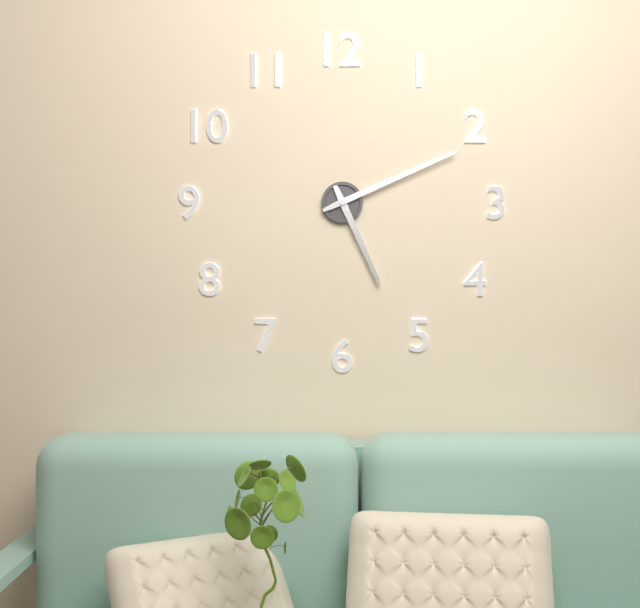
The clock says 5h11
